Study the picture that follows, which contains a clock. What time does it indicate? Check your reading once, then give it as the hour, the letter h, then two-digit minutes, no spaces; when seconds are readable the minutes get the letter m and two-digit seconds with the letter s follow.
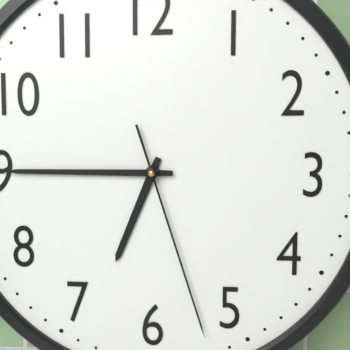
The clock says 6h45m27s
